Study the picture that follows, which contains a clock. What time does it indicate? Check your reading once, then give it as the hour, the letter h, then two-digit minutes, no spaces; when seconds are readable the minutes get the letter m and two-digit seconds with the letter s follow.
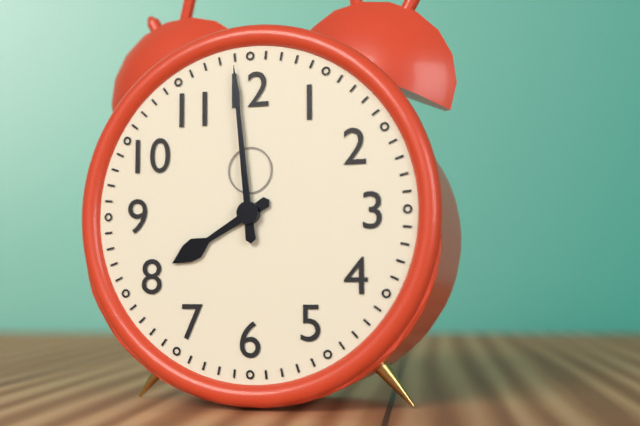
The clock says 7h59
